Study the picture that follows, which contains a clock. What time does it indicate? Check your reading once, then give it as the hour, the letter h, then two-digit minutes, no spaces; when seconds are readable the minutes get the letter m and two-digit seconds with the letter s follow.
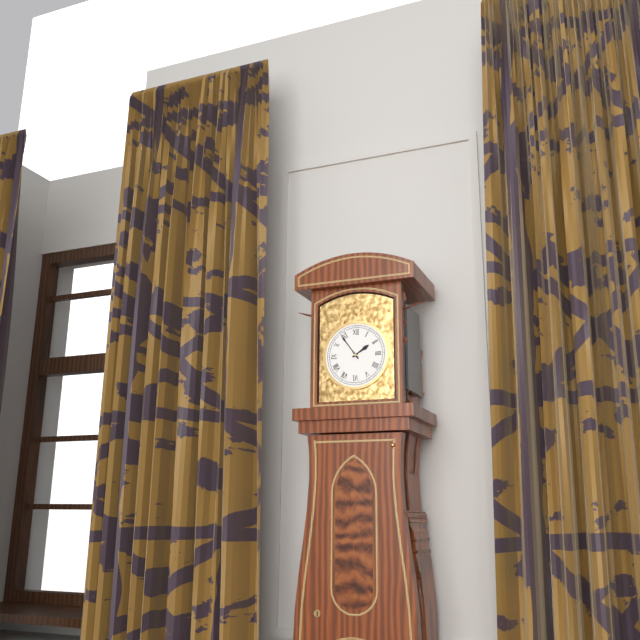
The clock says 1h54
